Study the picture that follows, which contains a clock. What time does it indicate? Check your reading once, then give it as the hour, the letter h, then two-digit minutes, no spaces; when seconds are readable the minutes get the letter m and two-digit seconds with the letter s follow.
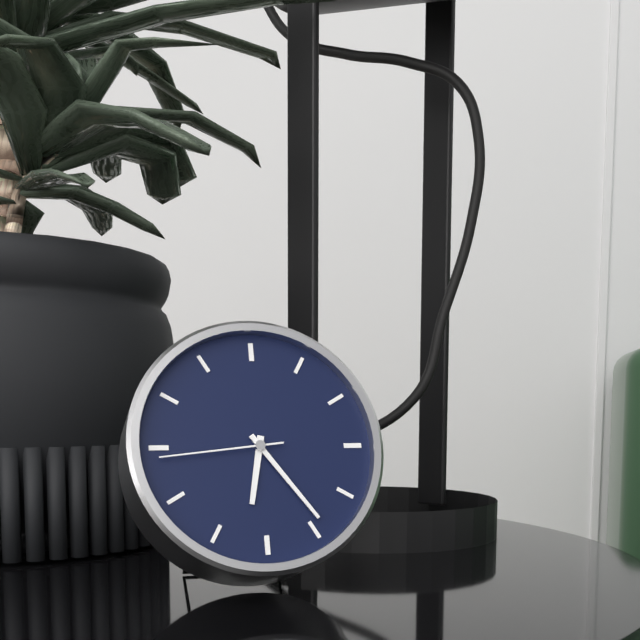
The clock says 6h24m44s
